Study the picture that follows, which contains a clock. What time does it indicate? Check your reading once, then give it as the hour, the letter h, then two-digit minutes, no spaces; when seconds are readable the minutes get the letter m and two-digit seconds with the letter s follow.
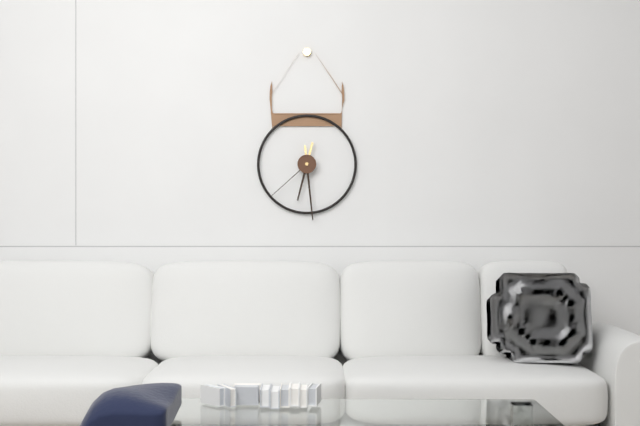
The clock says 6h29m38s
